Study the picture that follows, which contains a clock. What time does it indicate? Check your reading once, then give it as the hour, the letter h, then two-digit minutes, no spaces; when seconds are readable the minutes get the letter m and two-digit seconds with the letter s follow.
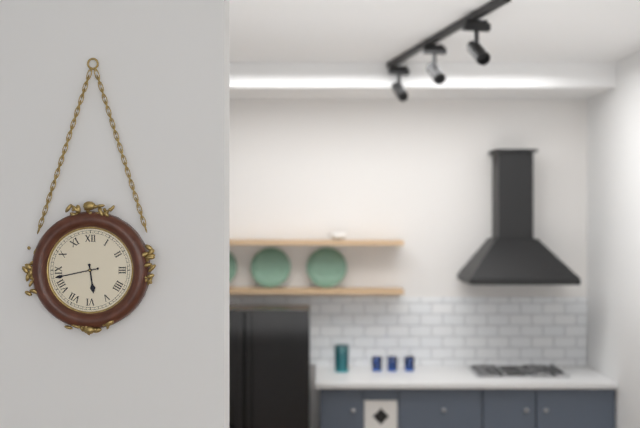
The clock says 5h43
